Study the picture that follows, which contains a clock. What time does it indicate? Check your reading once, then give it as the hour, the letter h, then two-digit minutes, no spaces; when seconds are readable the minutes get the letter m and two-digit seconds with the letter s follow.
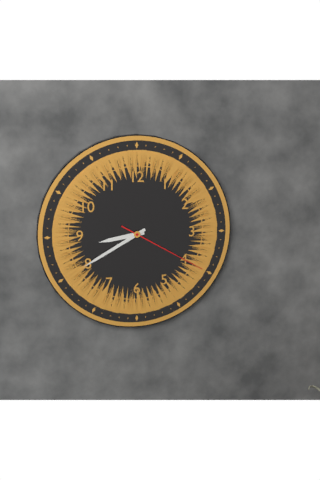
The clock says 8h40m20s
